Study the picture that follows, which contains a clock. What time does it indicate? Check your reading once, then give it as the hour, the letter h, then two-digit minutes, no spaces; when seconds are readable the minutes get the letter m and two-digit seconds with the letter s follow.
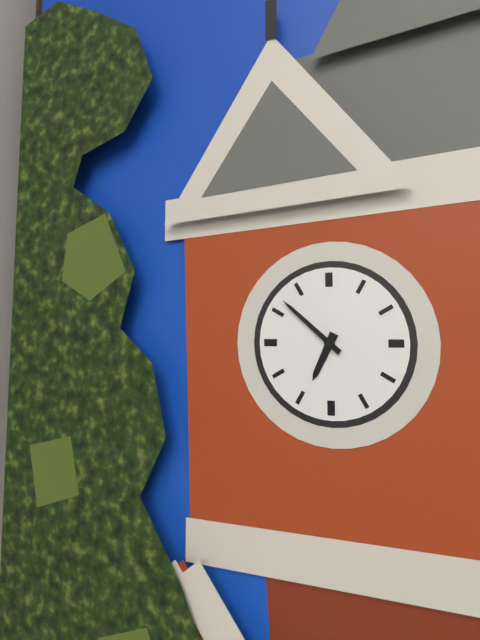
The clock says 6h52
